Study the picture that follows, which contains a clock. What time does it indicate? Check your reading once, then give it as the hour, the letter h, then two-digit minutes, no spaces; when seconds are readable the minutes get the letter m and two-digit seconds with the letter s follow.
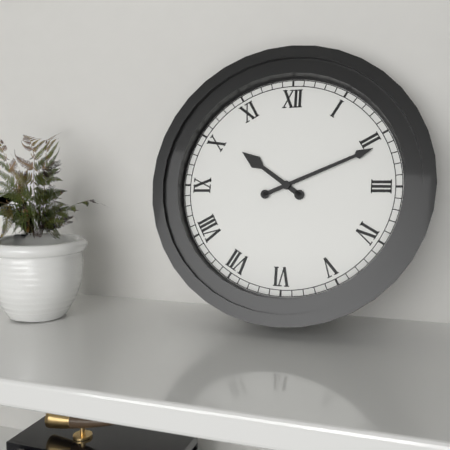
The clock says 10h11
